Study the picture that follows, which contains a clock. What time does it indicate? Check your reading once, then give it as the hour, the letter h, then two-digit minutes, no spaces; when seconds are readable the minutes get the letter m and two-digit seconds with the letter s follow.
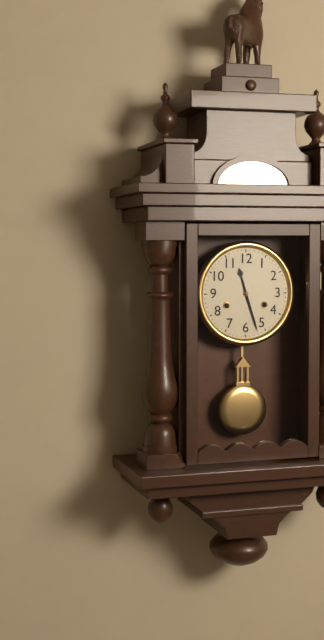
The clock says 11h27
